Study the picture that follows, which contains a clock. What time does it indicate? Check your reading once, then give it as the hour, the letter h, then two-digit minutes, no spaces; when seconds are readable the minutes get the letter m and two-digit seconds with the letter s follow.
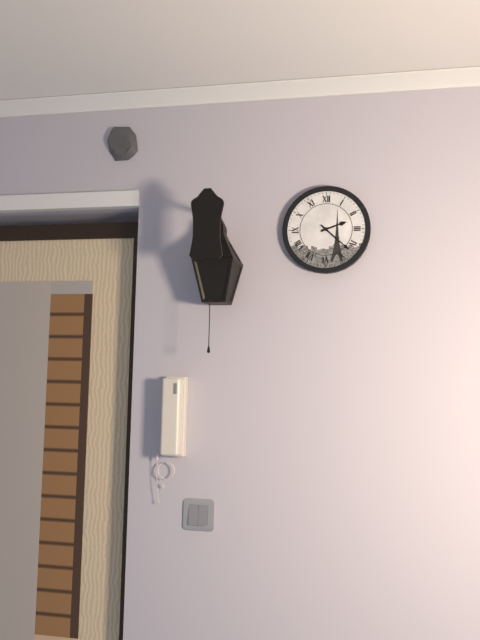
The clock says 2h22
